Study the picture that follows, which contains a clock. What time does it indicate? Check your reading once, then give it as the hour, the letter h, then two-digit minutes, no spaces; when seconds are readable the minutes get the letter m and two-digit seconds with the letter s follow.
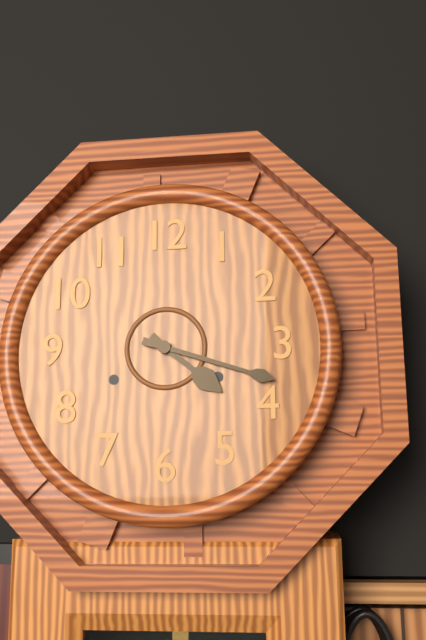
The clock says 4h18
